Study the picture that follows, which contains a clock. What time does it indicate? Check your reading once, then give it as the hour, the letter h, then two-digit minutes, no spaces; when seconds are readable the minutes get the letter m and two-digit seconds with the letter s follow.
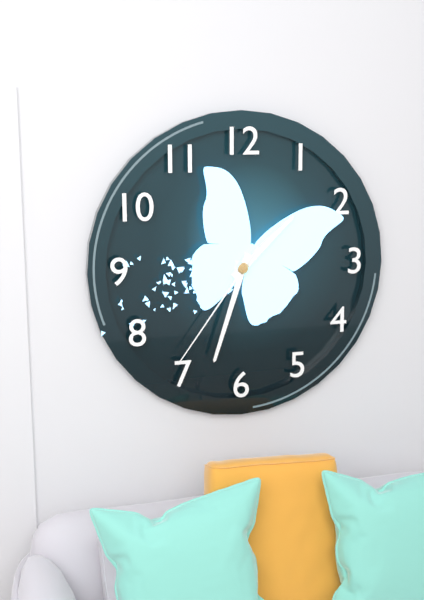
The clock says 1h33m36s
